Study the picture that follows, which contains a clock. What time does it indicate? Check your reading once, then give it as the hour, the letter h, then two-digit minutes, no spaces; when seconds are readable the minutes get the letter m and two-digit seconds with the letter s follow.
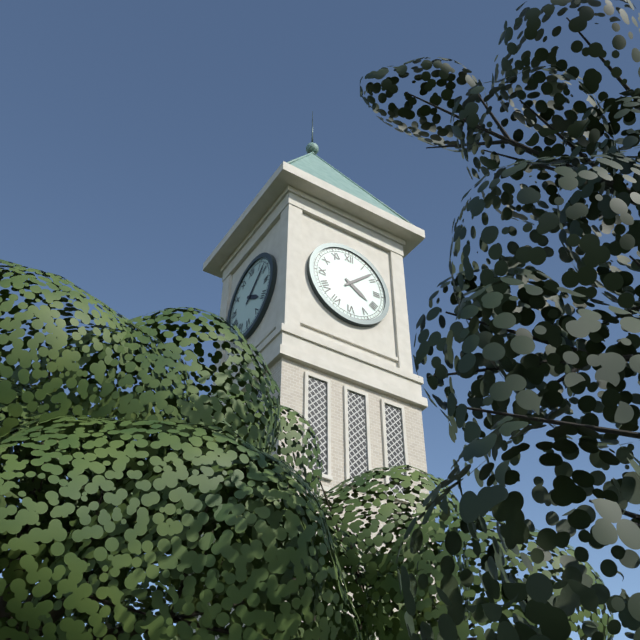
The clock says 4h08
